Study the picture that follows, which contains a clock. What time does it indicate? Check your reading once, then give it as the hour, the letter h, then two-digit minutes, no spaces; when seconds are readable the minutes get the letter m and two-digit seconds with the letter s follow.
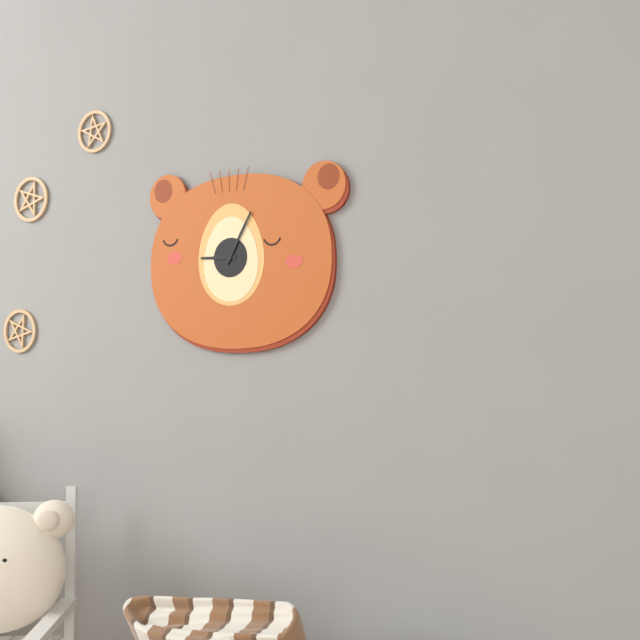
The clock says 9h05
